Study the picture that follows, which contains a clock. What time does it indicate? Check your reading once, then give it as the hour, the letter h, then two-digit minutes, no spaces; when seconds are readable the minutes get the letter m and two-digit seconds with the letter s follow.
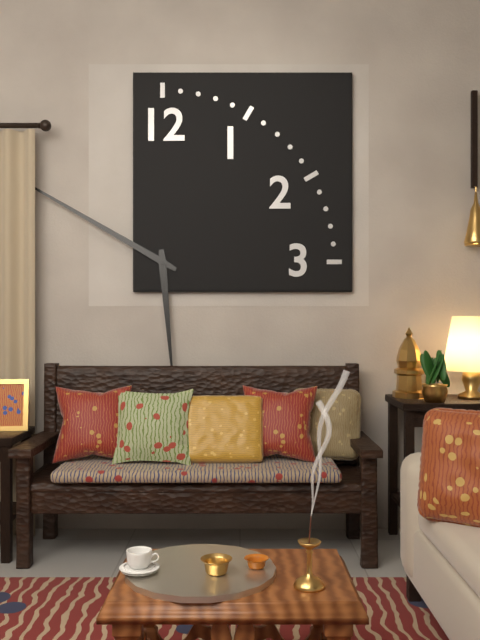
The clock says 5h50
